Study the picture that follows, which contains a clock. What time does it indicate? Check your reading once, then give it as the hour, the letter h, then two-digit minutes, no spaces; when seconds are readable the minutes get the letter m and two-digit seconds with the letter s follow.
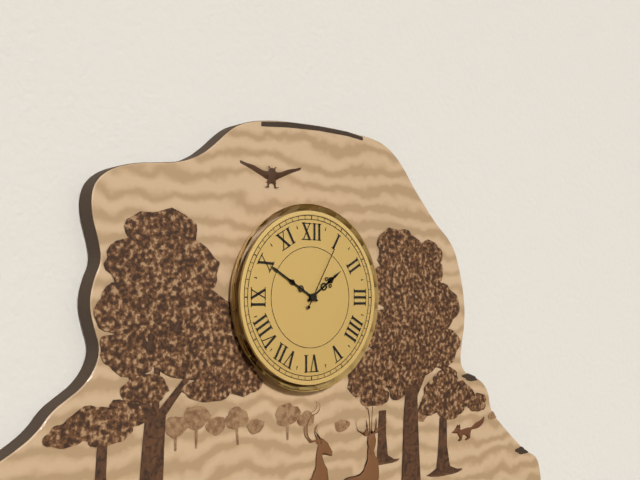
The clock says 1h50m05s
